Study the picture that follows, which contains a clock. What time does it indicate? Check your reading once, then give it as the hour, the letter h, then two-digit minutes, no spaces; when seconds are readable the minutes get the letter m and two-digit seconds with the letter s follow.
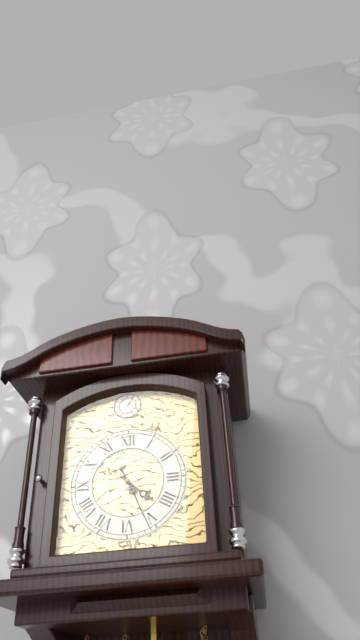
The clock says 4h26
